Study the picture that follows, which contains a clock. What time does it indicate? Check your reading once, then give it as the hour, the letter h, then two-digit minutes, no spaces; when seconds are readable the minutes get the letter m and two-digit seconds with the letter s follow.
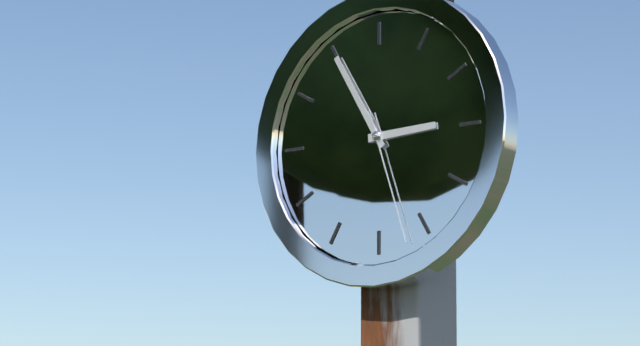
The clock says 2h55m27s
